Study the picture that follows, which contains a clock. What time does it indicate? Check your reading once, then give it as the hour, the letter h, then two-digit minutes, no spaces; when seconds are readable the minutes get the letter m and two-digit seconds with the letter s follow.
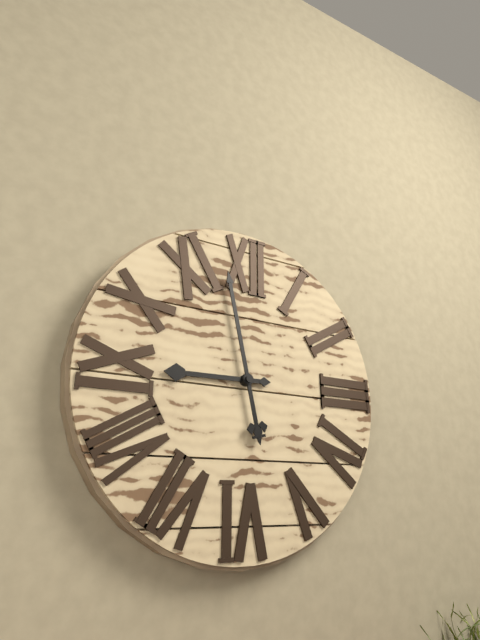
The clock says 8h58
